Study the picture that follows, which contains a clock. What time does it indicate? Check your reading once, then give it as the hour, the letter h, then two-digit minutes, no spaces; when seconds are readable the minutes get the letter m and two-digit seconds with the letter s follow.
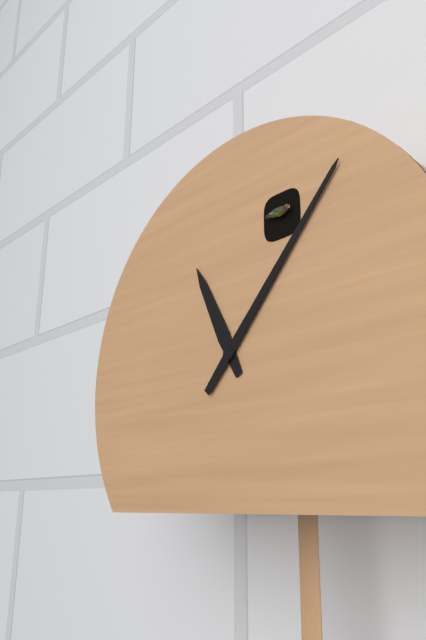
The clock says 11h07
